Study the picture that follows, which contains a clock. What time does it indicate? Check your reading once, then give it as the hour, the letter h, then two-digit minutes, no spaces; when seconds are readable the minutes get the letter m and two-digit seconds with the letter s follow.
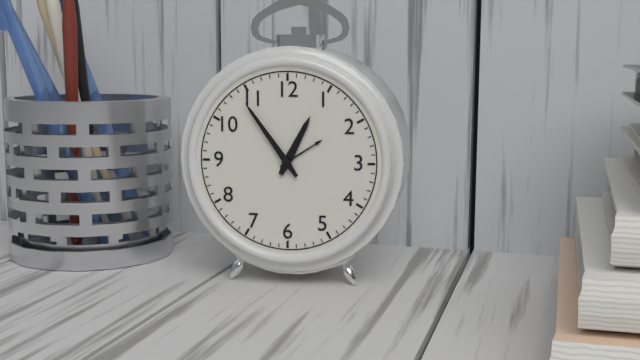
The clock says 12h54
